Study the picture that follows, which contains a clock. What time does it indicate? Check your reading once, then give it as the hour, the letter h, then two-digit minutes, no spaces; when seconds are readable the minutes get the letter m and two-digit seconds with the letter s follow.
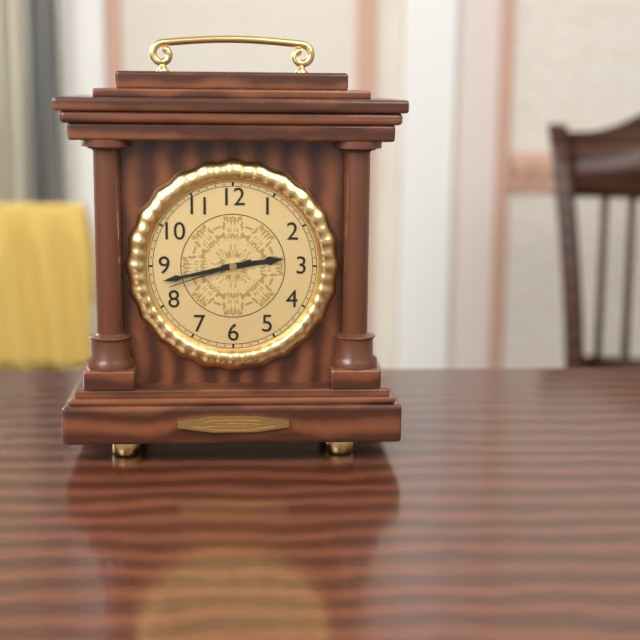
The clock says 2h43m42s
